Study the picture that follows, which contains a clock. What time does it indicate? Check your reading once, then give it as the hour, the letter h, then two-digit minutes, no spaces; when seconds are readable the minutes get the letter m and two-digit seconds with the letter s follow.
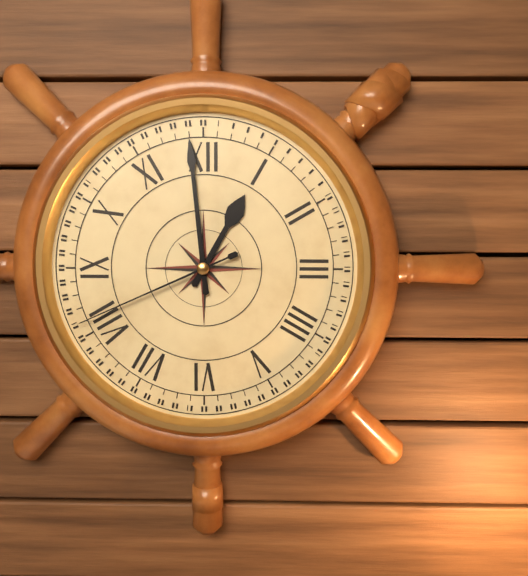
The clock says 12h59m41s
